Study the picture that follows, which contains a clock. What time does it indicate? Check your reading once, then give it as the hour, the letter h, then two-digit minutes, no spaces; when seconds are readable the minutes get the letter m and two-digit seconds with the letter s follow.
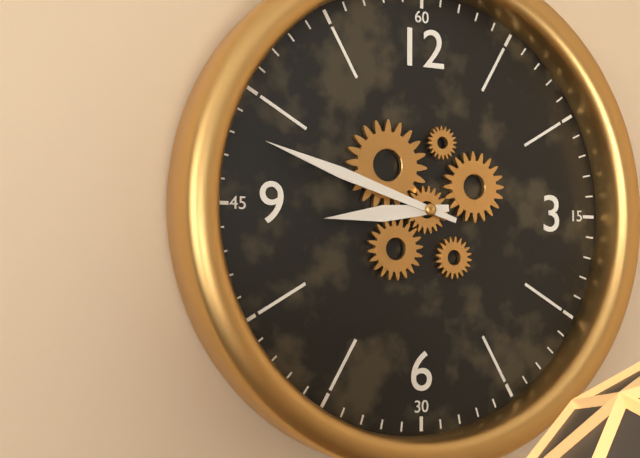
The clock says 8h48
